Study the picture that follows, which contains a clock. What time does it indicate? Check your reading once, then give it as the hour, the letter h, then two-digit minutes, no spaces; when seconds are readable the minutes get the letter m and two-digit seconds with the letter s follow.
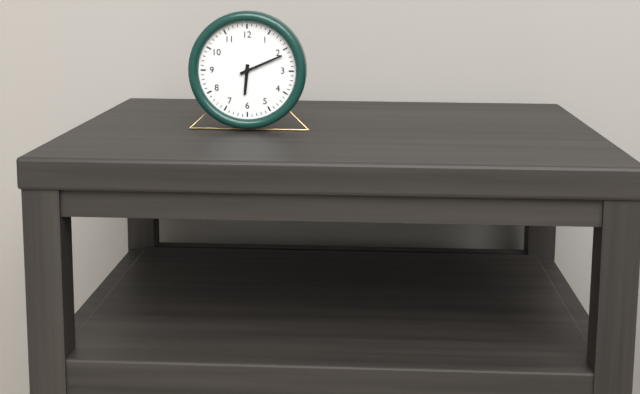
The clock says 6h11
